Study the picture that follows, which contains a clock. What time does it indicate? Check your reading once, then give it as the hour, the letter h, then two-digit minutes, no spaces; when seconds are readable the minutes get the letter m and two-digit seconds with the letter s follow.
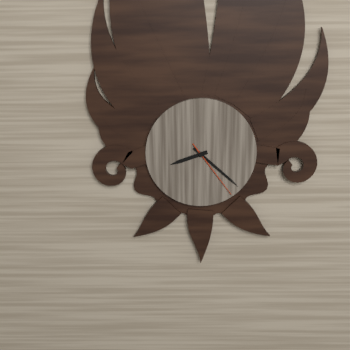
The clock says 8h22m24s
